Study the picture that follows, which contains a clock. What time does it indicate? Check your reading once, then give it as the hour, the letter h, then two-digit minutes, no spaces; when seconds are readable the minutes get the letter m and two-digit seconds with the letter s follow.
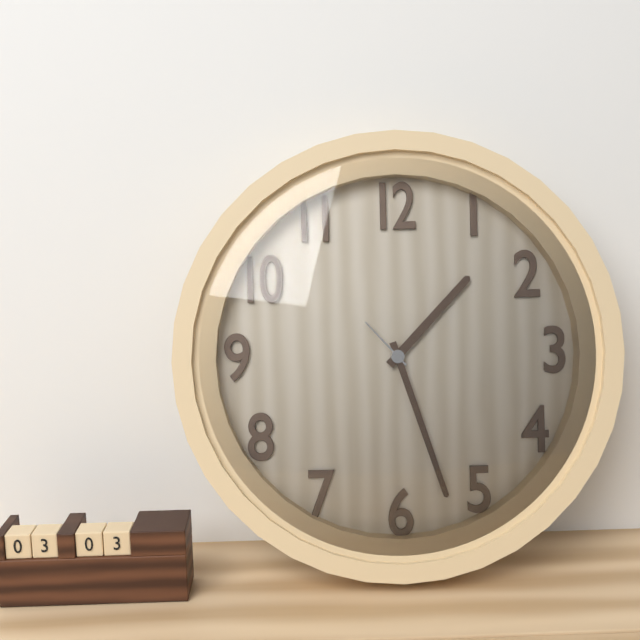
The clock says 1h27m53s
